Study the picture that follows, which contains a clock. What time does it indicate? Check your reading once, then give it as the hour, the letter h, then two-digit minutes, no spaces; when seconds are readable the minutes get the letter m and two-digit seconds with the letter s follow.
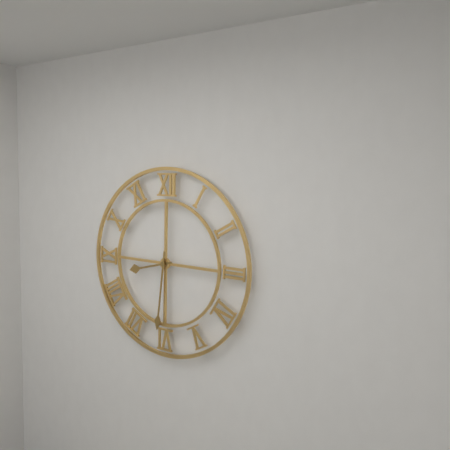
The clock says 8h31
